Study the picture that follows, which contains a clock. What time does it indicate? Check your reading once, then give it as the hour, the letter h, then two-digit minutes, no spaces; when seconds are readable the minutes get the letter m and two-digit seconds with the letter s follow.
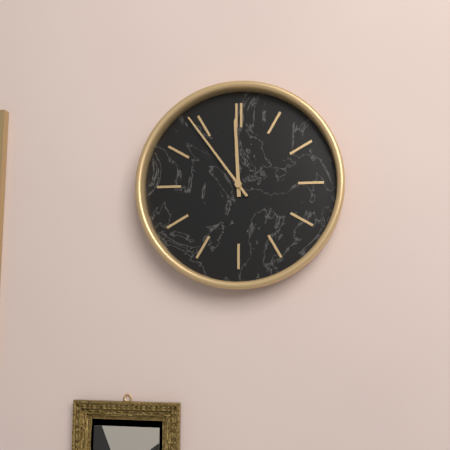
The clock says 11h54
